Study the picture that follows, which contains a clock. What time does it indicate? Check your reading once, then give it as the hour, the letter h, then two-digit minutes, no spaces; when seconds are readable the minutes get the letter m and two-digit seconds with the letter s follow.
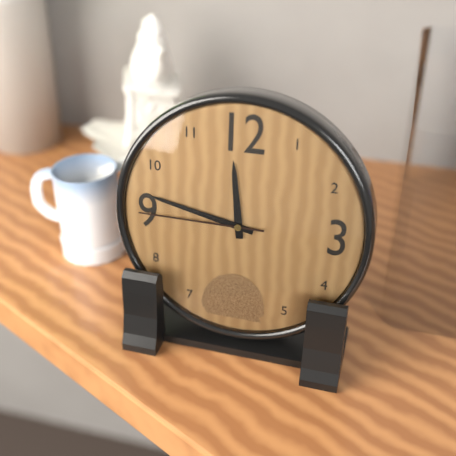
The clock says 11h47m45s
